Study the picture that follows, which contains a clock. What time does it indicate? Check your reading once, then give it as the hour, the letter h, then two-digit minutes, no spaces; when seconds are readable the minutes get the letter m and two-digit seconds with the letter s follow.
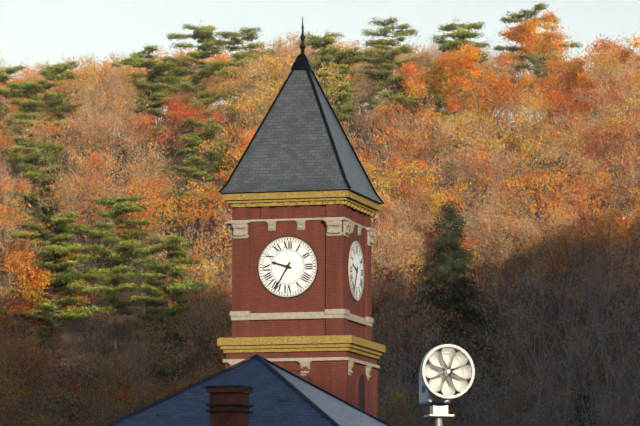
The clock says 9h35
